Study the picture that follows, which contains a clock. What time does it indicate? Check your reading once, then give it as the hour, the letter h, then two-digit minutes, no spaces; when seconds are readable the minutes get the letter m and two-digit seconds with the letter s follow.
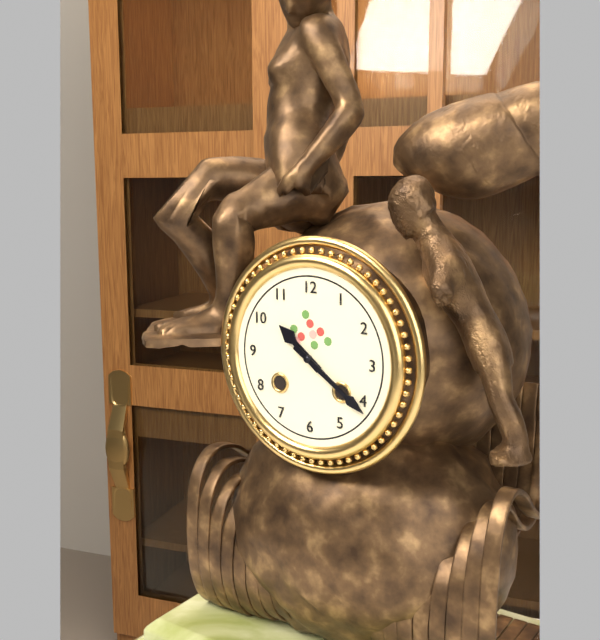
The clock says 10h21
